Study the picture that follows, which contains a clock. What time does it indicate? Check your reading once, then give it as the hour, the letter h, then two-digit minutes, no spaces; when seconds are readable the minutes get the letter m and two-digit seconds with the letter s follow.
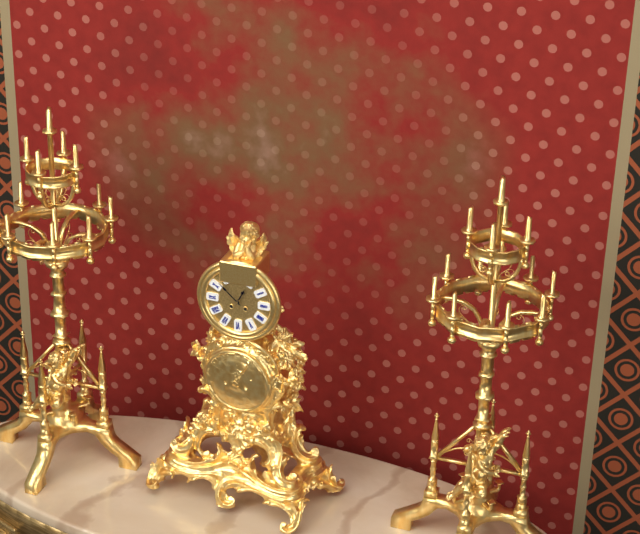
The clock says 12h52
